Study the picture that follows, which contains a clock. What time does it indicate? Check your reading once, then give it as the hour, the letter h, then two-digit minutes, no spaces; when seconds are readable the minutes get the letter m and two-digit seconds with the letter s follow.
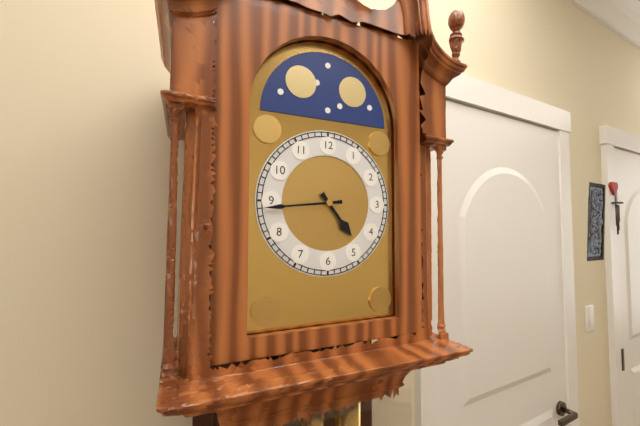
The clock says 4h44
